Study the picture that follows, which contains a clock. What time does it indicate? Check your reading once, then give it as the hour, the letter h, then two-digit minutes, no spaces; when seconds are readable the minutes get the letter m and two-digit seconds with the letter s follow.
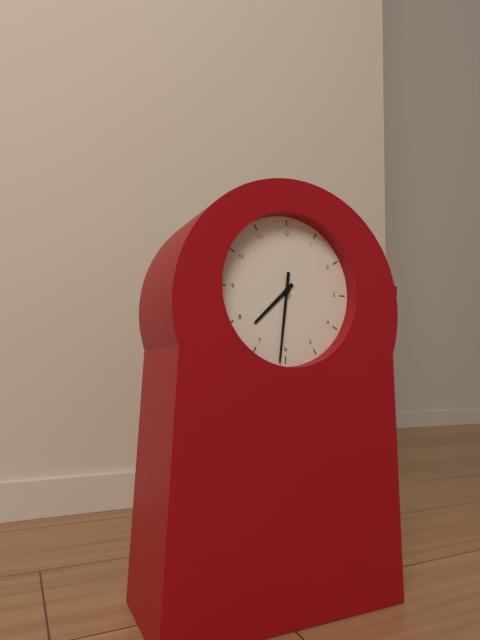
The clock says 7h31
